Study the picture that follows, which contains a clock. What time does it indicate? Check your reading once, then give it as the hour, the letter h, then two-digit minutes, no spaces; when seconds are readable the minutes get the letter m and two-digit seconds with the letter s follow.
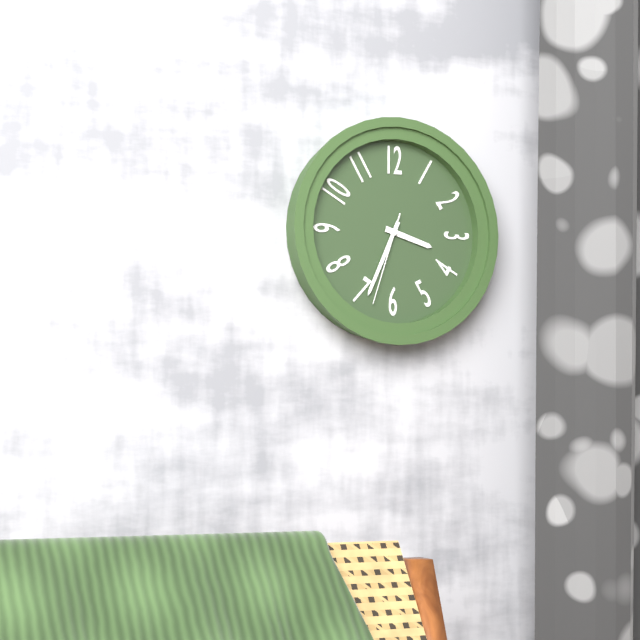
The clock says 3h34m33s
